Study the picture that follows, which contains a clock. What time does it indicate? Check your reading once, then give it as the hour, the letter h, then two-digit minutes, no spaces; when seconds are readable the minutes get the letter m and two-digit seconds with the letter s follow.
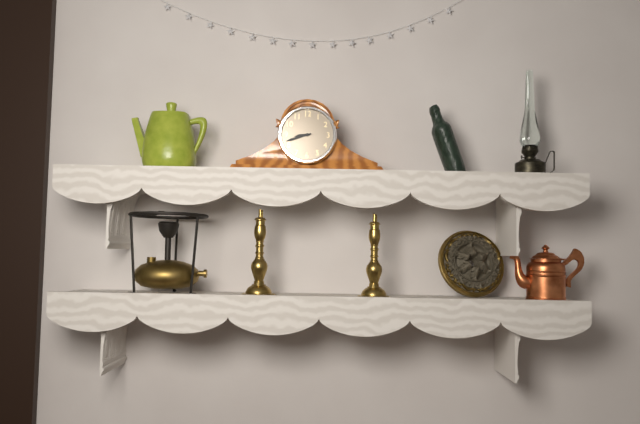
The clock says 8h42
